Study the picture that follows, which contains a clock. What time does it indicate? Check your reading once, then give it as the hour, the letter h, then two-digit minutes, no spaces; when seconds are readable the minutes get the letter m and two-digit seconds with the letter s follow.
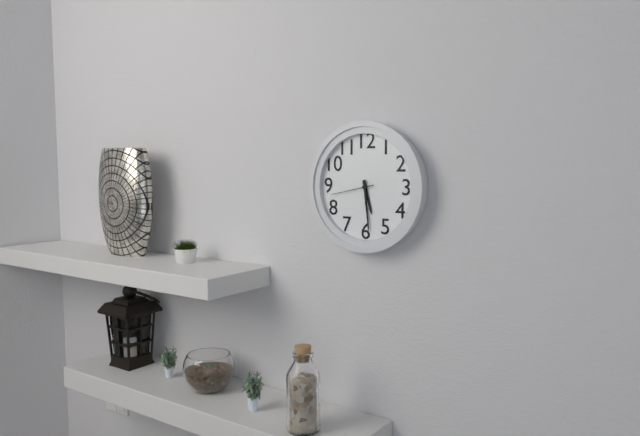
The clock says 5h29
